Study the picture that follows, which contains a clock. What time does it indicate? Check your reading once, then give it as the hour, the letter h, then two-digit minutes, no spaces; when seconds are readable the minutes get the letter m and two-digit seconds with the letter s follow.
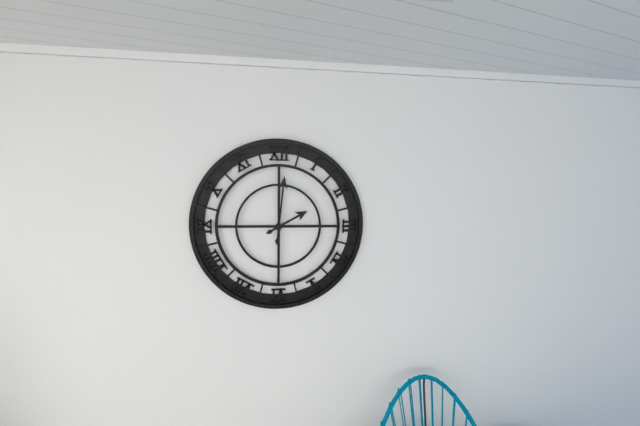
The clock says 2h01
